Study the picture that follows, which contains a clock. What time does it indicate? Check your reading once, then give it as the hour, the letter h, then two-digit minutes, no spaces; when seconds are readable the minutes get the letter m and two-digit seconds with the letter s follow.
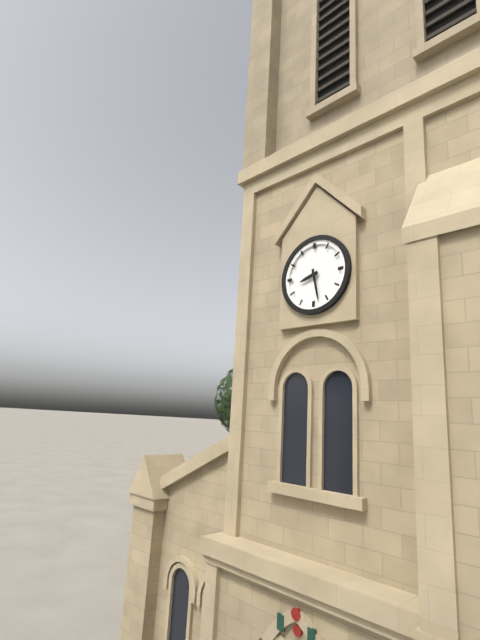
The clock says 8h28
